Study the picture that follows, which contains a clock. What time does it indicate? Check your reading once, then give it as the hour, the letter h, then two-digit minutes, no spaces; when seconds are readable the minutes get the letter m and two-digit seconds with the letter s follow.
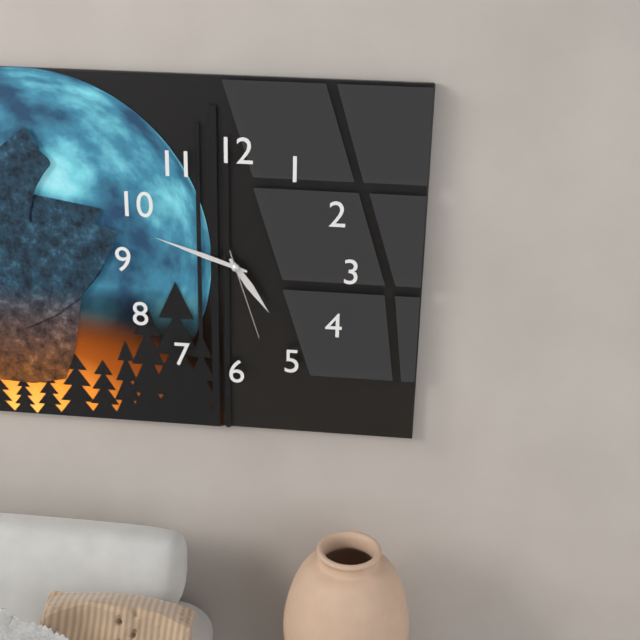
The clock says 4h48m27s
